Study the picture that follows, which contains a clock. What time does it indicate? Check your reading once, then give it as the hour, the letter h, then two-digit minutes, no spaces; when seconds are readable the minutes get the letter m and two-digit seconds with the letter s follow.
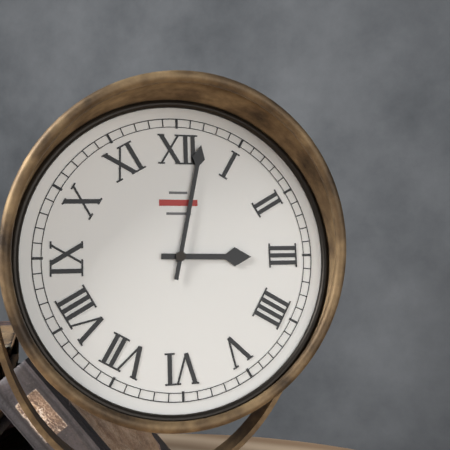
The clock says 3h02
